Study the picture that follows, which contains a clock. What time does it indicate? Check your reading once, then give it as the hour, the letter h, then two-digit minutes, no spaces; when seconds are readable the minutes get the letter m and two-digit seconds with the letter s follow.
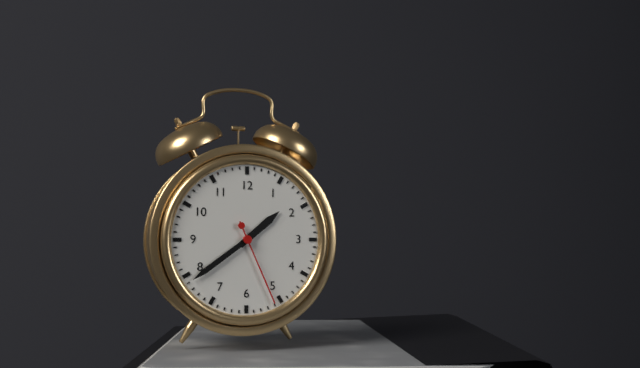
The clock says 1h39m26s
